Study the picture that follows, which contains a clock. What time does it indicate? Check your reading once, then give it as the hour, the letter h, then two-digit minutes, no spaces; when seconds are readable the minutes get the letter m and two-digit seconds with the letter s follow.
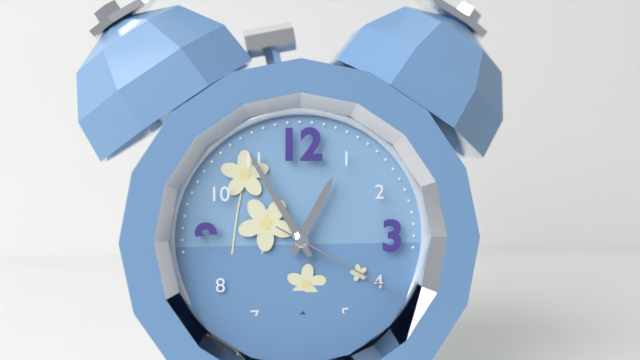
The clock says 12h55m20s
